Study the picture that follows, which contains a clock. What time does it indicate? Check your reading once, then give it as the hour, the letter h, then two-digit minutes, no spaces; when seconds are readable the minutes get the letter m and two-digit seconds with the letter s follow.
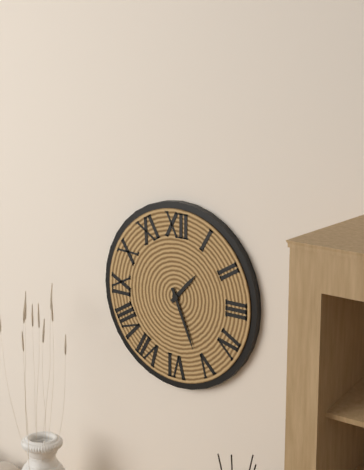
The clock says 1h26
